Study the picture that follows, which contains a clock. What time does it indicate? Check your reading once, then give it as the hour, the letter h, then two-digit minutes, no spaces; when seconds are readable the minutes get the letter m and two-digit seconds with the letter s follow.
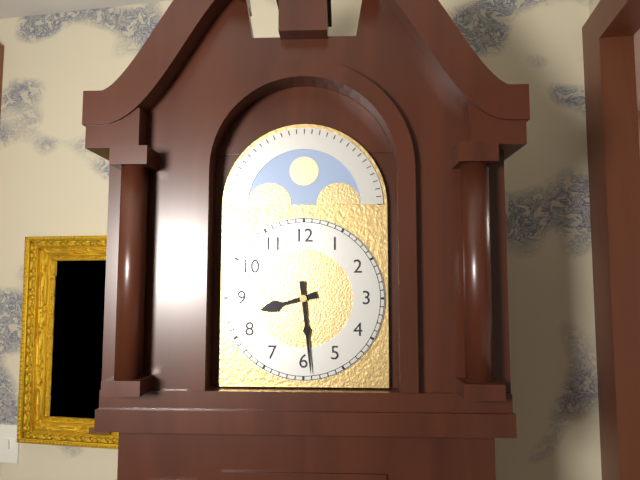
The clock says 8h29
